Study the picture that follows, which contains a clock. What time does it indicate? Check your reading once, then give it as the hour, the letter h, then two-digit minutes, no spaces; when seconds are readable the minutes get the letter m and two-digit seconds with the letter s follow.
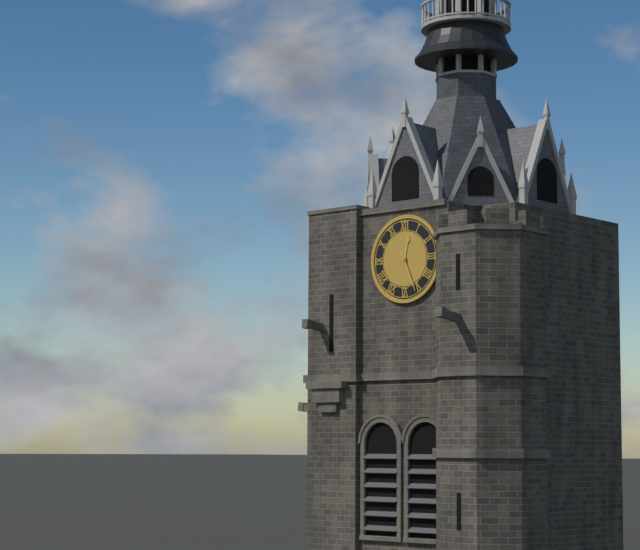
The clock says 12h26
